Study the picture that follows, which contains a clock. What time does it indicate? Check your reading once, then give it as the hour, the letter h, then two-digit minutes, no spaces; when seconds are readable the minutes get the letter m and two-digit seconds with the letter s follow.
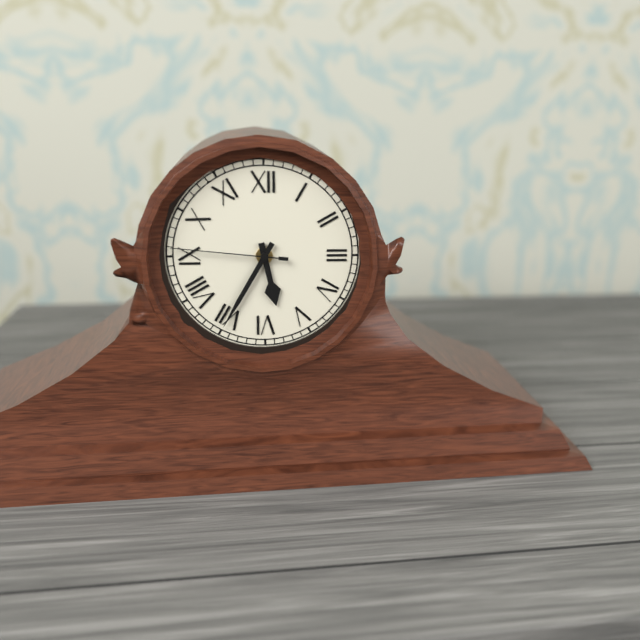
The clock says 5h35m46s
